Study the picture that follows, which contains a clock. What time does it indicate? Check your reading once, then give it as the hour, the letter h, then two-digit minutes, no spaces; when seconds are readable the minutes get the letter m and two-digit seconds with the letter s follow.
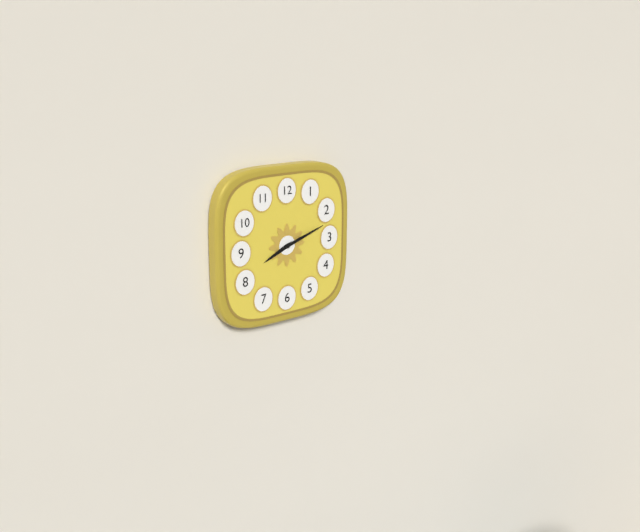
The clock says 8h12
